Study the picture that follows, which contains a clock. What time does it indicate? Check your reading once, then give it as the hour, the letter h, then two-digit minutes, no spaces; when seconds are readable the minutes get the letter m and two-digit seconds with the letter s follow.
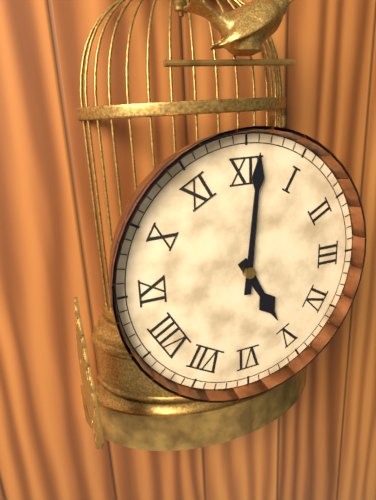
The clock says 5h01
